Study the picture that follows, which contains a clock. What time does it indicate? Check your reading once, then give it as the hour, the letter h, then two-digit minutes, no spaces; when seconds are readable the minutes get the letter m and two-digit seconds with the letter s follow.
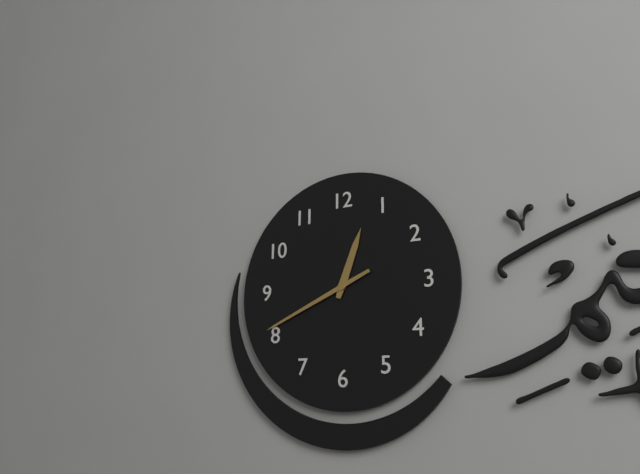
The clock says 12h41
